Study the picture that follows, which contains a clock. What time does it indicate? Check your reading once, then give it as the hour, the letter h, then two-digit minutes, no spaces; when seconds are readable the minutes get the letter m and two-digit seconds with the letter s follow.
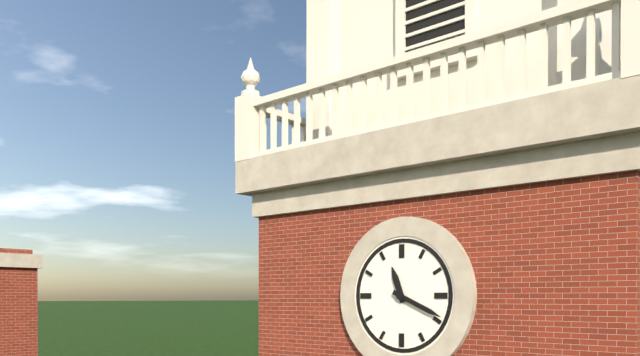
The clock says 11h19
